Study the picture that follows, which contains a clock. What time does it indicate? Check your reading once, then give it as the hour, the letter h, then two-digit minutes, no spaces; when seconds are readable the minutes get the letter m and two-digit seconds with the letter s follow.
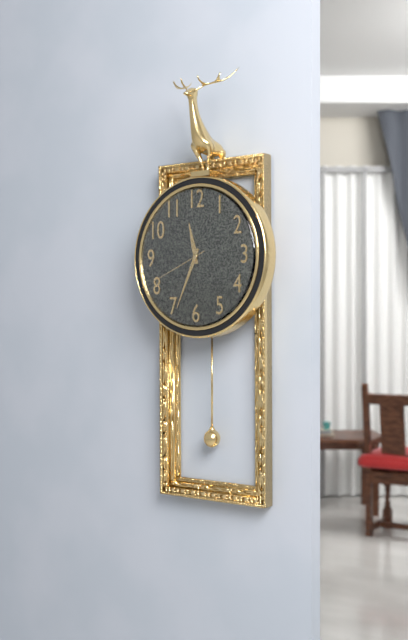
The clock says 11h34m41s
